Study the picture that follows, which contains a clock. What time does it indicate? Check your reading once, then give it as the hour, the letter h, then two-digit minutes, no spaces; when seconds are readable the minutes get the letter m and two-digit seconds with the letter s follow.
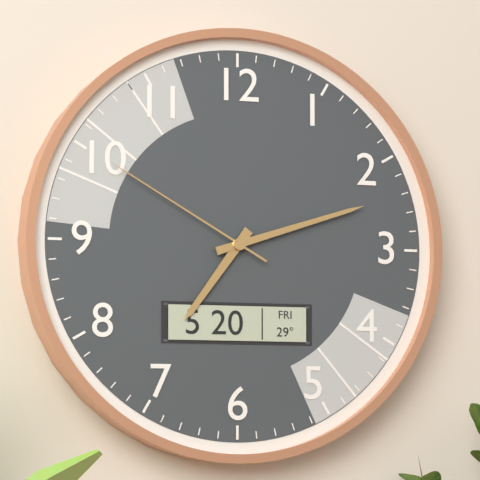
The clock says 7h12m50s
